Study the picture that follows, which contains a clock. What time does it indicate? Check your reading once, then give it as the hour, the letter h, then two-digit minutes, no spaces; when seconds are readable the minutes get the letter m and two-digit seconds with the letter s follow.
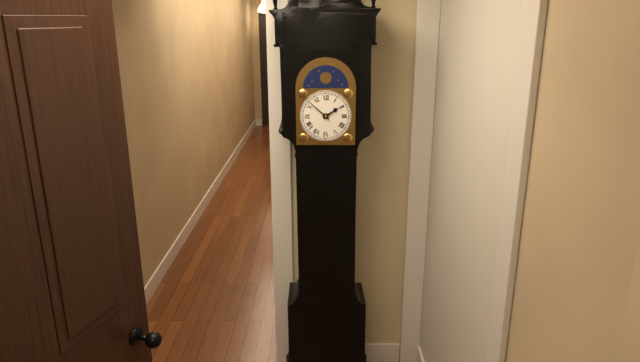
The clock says 1h52
